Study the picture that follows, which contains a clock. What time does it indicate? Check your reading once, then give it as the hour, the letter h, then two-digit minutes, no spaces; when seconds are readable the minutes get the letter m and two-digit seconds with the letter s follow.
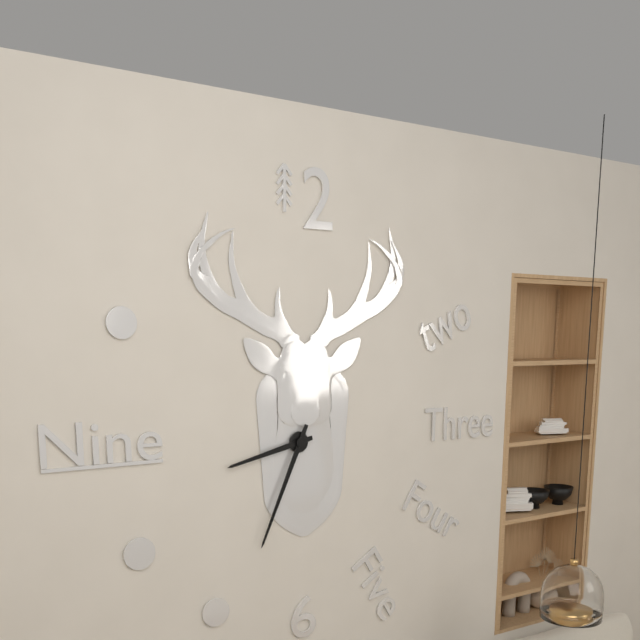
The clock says 8h34
